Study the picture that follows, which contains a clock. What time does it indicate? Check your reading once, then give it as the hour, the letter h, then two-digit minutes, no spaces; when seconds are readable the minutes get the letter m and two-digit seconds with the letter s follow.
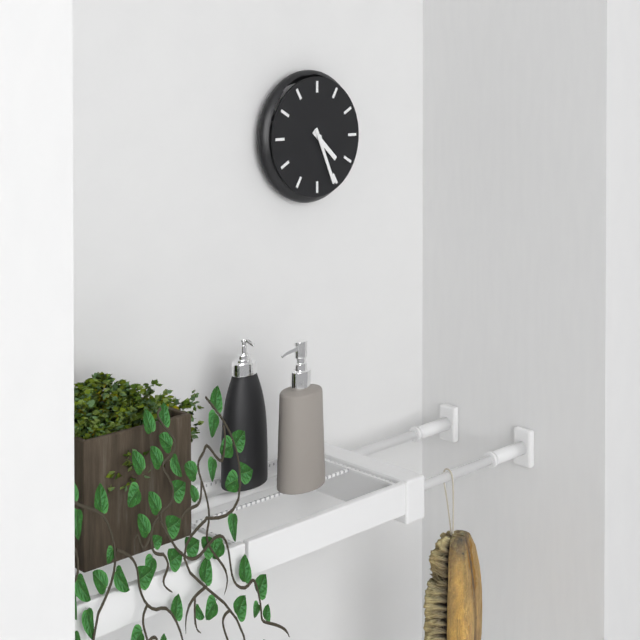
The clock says 4h26
